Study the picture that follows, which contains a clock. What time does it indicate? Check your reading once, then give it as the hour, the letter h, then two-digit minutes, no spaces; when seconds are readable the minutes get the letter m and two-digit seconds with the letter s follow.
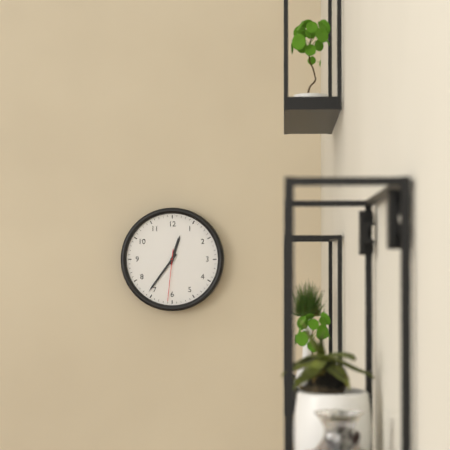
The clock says 12h36m31s
